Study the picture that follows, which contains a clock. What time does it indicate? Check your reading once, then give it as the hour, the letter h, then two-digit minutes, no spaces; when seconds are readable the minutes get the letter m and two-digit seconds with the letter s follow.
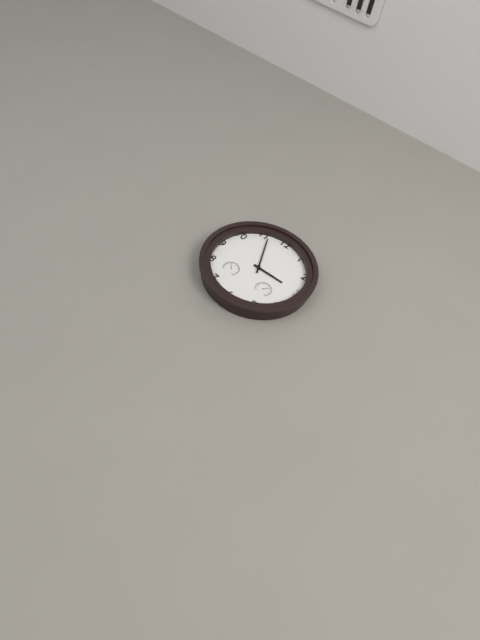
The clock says 2h56
